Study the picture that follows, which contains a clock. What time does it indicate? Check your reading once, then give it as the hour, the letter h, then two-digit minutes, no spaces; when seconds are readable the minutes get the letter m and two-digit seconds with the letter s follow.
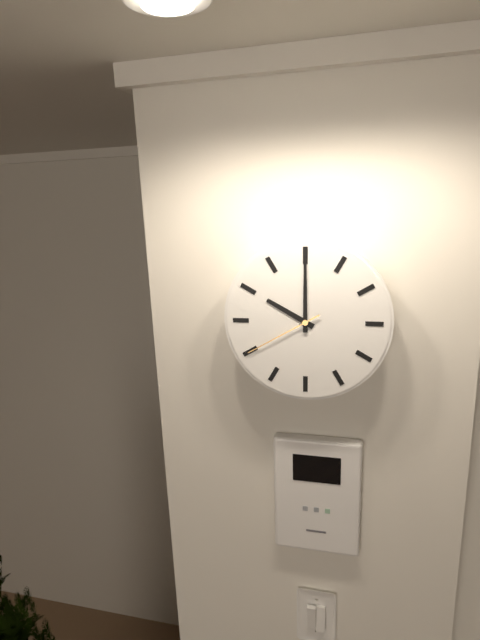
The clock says 10h00m40s
